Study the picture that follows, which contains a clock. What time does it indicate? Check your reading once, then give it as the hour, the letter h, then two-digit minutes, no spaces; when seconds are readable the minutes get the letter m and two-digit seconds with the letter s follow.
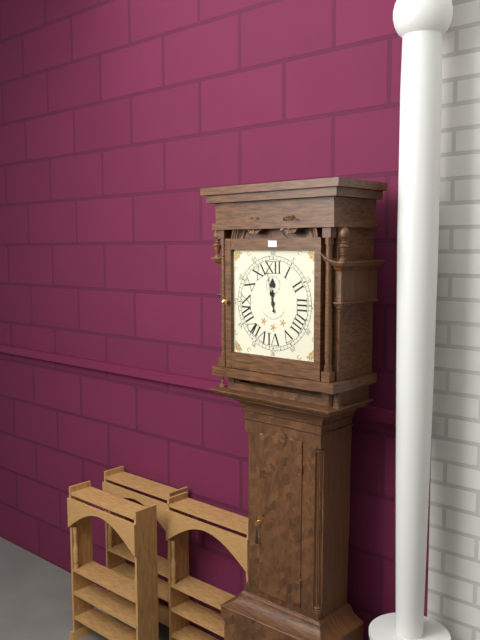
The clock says 11h58
